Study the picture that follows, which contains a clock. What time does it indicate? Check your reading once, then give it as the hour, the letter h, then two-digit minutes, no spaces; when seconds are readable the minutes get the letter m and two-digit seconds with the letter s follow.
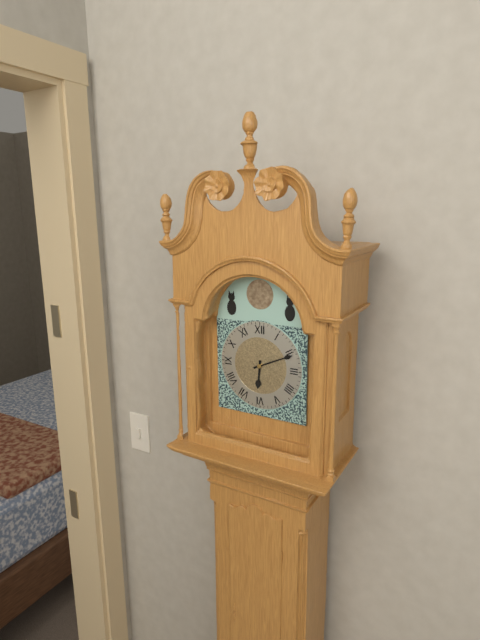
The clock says 6h11
